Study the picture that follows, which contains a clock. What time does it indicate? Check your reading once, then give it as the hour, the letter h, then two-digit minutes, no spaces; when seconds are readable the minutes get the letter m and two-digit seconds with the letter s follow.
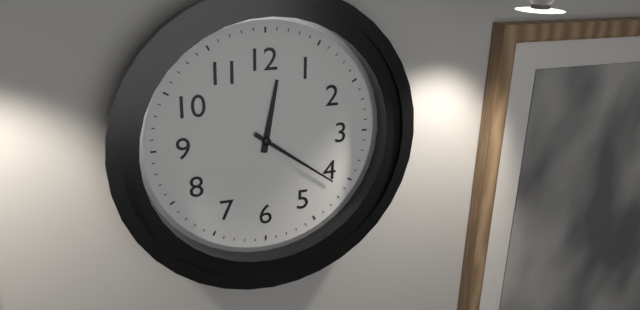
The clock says 12h21
